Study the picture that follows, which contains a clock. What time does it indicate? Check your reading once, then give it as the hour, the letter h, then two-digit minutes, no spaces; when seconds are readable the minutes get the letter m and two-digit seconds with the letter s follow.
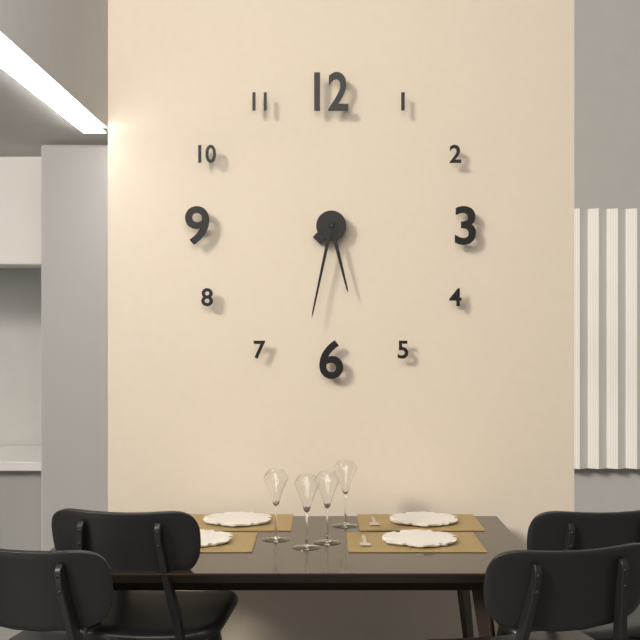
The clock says 5h32
